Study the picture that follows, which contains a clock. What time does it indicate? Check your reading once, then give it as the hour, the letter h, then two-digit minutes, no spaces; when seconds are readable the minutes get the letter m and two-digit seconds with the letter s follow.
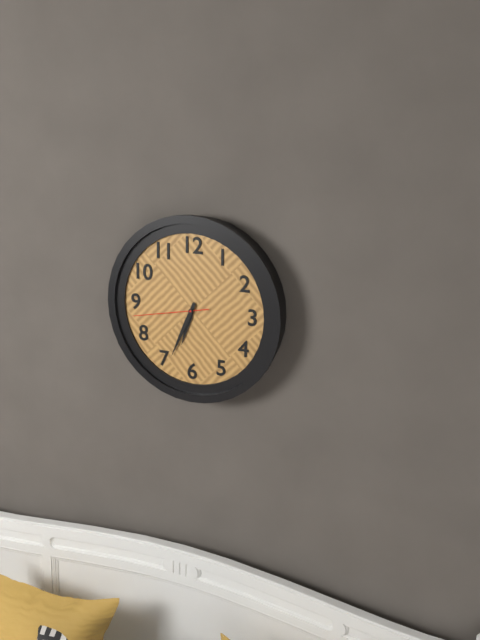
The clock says 6h34m43s
